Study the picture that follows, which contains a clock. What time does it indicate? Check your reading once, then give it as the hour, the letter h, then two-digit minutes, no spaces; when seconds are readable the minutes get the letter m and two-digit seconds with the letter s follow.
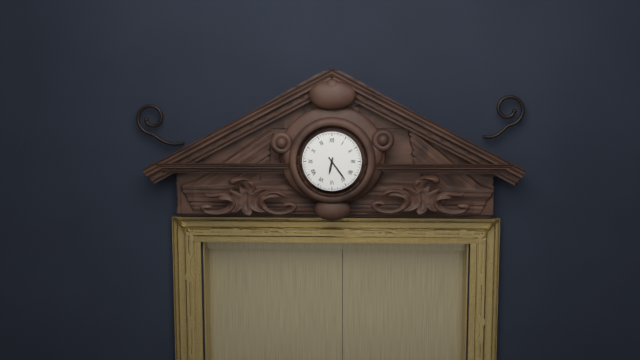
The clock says 6h24
